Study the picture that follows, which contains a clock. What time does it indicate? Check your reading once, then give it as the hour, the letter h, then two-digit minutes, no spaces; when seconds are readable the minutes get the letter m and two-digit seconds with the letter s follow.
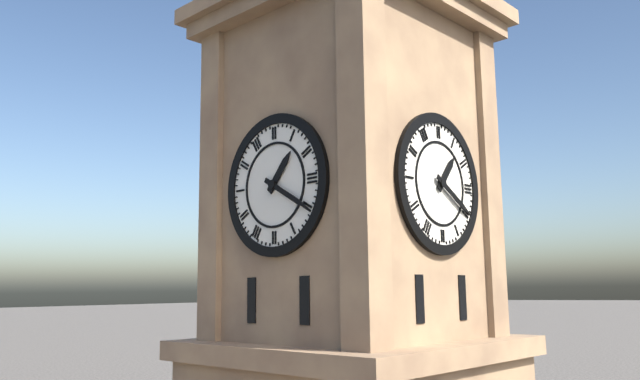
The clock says 1h20
